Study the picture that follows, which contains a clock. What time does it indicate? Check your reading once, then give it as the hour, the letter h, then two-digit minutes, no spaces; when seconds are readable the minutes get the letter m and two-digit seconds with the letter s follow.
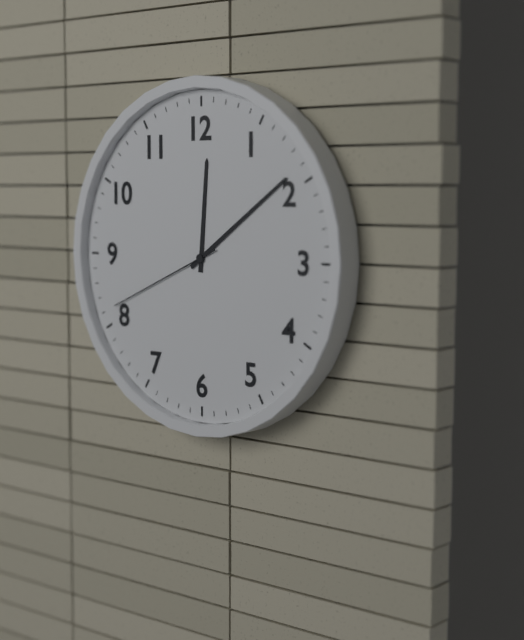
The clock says 12h09m41s
